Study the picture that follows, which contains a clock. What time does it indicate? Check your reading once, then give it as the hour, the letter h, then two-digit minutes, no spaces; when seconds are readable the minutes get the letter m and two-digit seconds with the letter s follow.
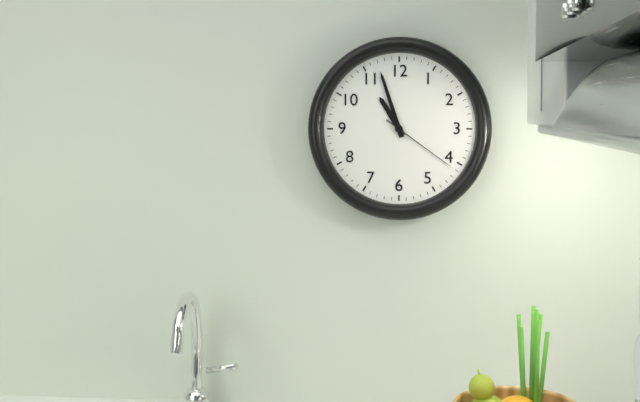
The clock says 10h57m21s
